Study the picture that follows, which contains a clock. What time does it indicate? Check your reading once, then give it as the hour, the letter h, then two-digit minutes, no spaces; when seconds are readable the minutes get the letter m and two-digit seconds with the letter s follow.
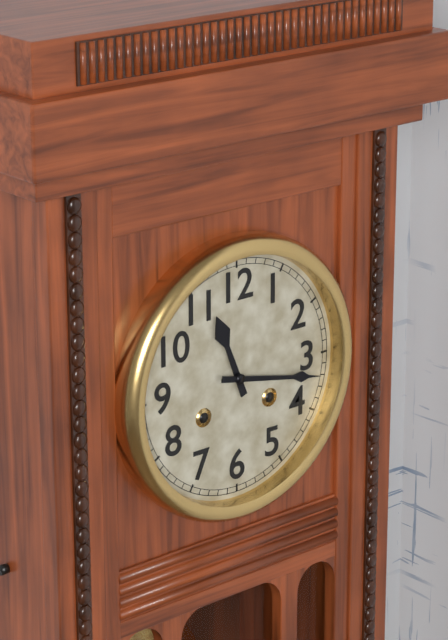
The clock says 11h17
